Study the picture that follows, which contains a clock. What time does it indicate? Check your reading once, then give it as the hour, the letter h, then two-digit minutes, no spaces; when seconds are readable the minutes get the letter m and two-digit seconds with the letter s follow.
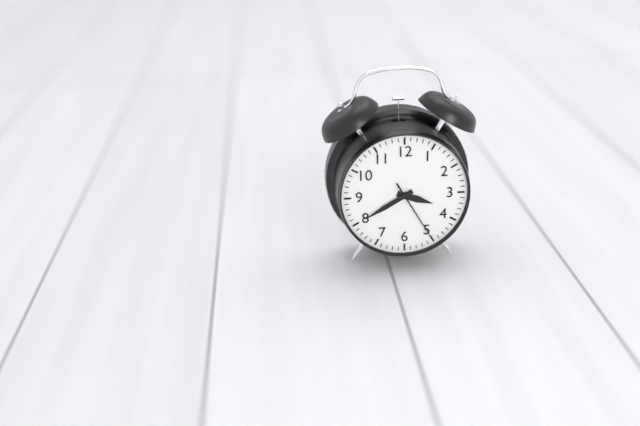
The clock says 3h40m25s
